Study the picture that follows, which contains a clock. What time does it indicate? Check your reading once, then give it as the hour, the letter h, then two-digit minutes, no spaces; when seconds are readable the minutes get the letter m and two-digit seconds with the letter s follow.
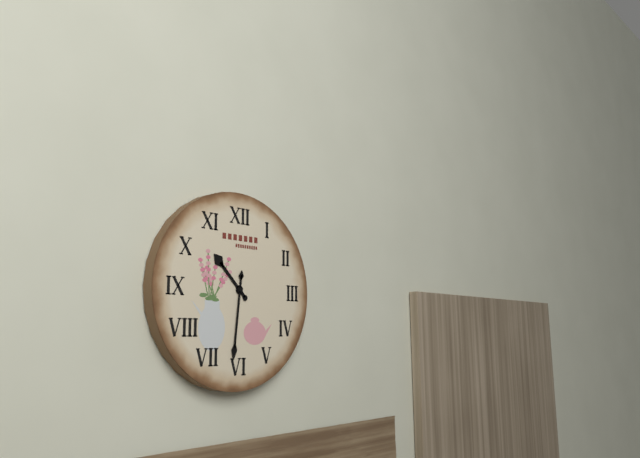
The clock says 10h31
